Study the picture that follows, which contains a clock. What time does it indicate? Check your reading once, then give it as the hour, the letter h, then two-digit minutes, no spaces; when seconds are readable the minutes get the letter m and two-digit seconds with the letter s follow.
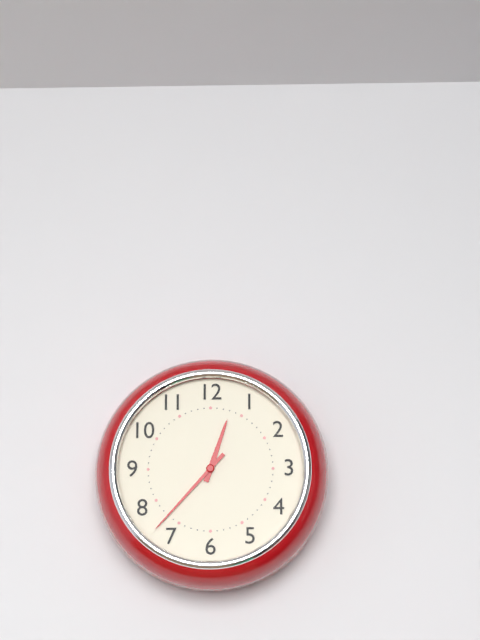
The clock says 12h37
